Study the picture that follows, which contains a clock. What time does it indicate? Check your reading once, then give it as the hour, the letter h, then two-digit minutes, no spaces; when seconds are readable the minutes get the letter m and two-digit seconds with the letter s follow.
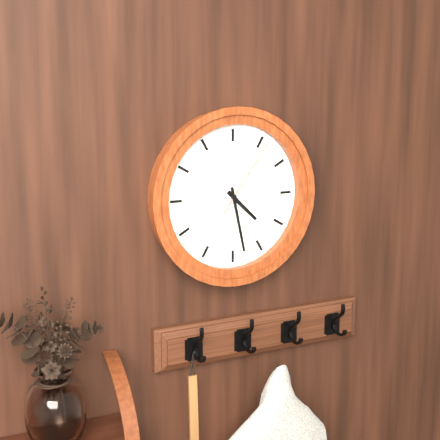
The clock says 4h28m06s
